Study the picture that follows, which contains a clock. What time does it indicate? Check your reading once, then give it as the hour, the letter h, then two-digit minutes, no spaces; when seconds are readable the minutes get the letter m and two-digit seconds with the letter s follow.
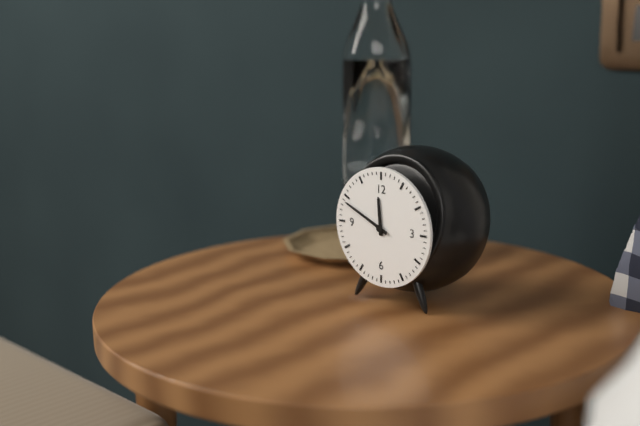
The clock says 11h49
